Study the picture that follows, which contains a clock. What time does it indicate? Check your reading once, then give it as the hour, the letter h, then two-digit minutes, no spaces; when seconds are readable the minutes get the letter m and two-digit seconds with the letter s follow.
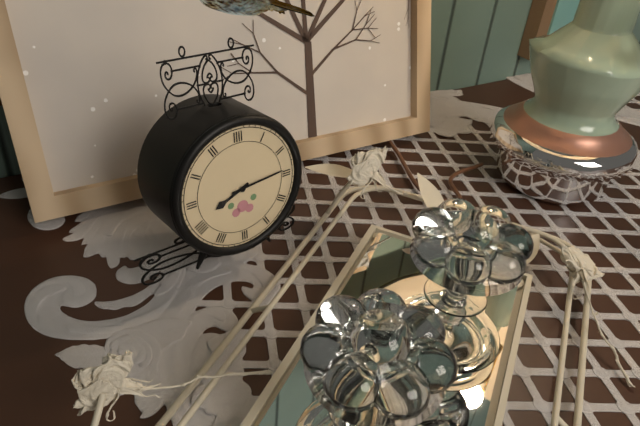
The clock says 8h14
